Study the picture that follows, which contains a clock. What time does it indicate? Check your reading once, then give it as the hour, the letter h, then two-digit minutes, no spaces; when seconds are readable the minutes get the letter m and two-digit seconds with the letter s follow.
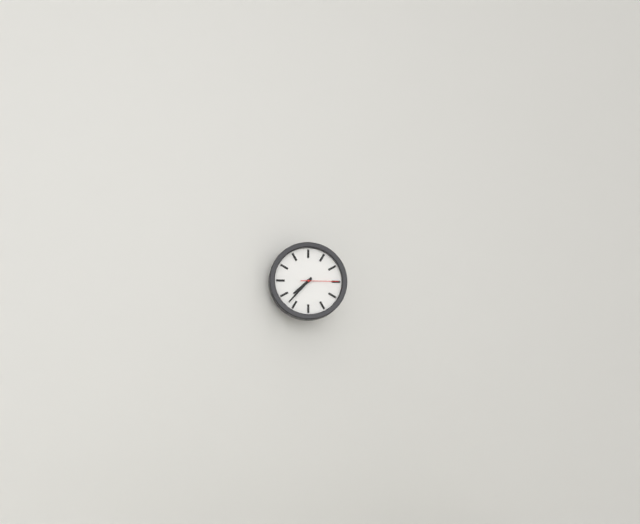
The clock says 7h37
